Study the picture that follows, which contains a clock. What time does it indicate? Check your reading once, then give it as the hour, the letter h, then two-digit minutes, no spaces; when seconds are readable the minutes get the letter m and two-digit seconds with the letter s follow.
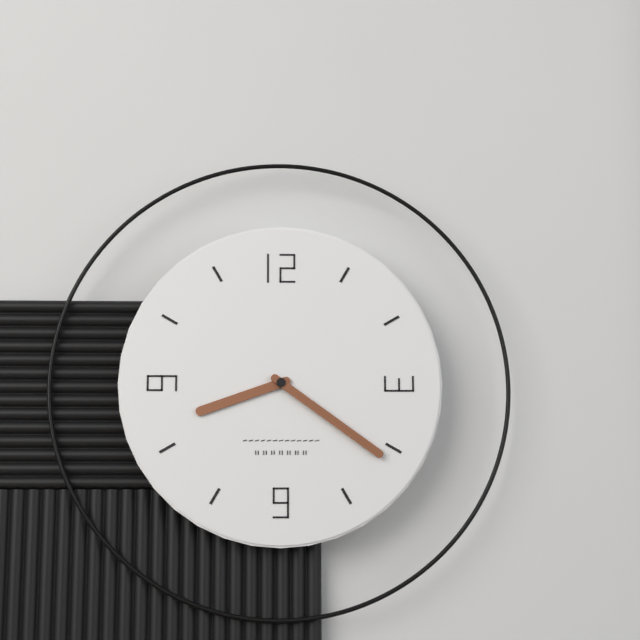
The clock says 8h21
